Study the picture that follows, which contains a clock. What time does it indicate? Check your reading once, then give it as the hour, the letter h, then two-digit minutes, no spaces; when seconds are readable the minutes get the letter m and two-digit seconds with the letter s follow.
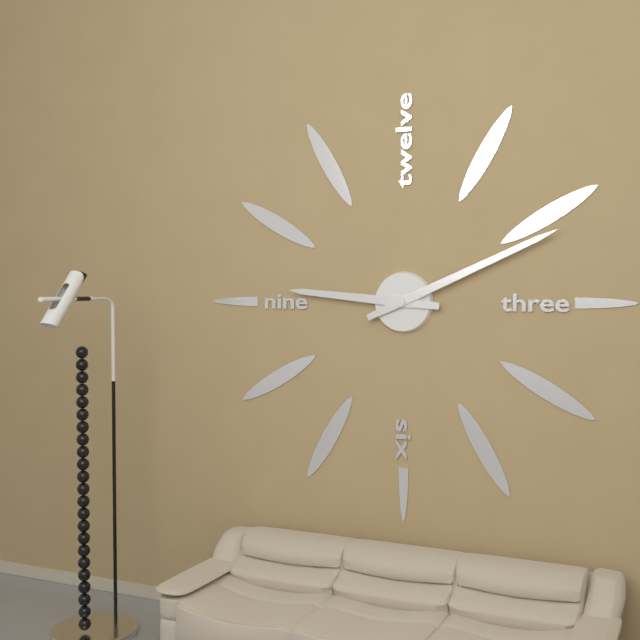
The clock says 9h11
